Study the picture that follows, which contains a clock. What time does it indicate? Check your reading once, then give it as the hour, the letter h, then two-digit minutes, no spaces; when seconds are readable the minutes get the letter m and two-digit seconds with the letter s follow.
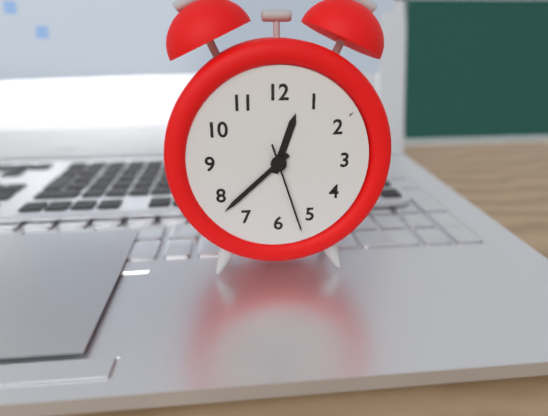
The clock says 12h38m27s
